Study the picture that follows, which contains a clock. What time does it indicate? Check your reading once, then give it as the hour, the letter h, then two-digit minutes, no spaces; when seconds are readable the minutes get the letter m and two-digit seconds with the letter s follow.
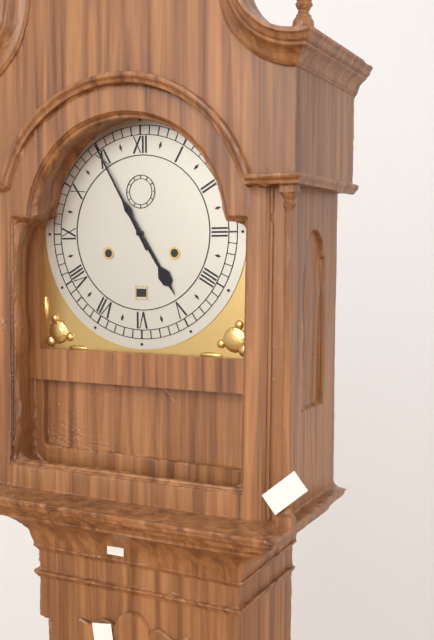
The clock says 4h55
